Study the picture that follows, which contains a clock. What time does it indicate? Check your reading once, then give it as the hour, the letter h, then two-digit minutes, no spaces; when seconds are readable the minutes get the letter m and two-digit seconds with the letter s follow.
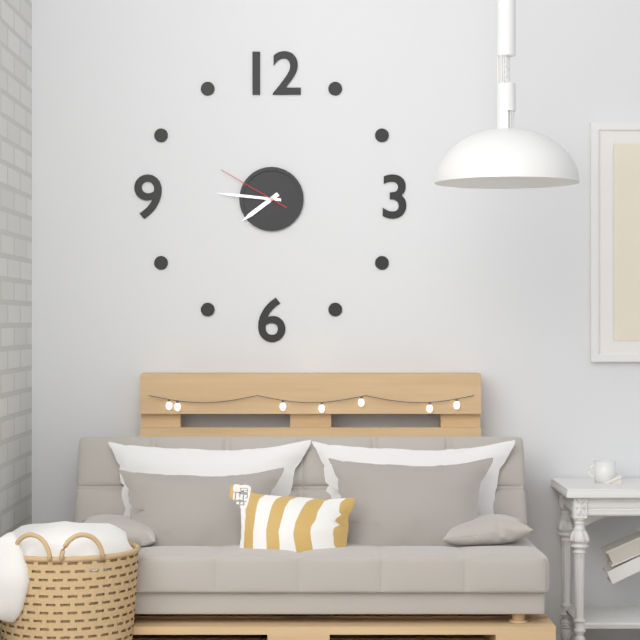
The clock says 7h46m50s
